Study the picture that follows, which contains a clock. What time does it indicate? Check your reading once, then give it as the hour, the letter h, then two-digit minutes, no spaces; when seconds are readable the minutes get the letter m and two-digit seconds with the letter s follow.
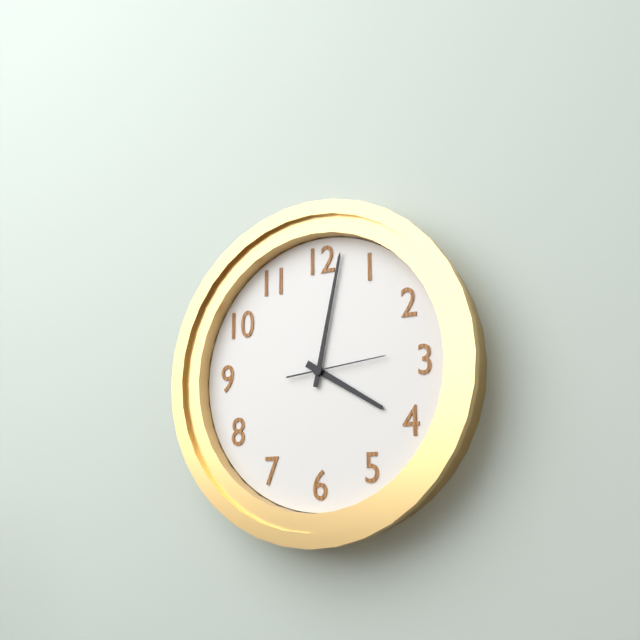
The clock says 4h02m14s
